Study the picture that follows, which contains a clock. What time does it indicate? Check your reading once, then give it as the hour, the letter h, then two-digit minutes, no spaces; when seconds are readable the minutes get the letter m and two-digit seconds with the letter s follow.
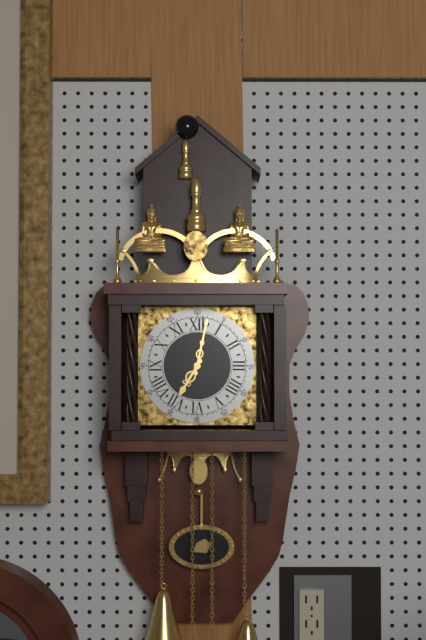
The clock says 7h02
